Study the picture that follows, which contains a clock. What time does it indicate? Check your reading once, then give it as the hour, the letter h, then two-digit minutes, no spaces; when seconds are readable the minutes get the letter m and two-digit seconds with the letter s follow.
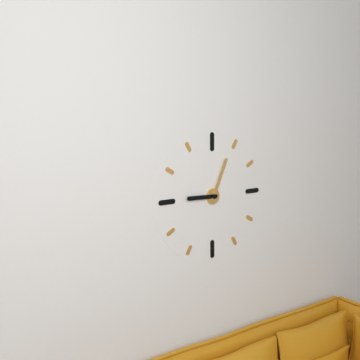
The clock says 9h04
